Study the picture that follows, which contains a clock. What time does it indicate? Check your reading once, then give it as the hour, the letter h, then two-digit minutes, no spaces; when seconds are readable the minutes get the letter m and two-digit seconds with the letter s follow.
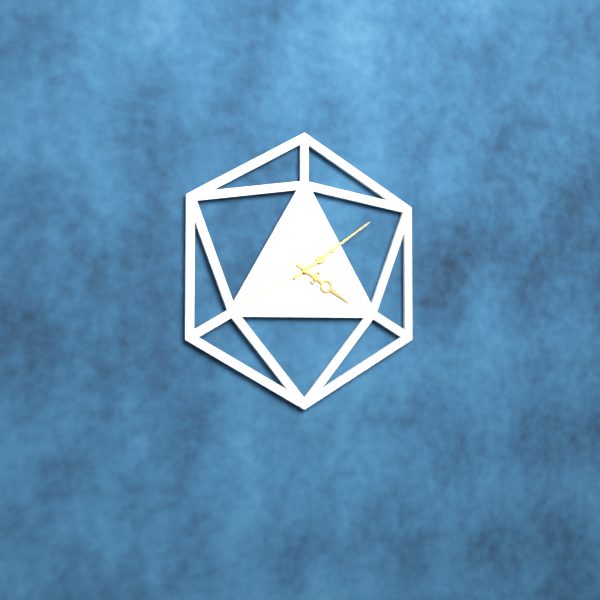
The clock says 4h09m40s
